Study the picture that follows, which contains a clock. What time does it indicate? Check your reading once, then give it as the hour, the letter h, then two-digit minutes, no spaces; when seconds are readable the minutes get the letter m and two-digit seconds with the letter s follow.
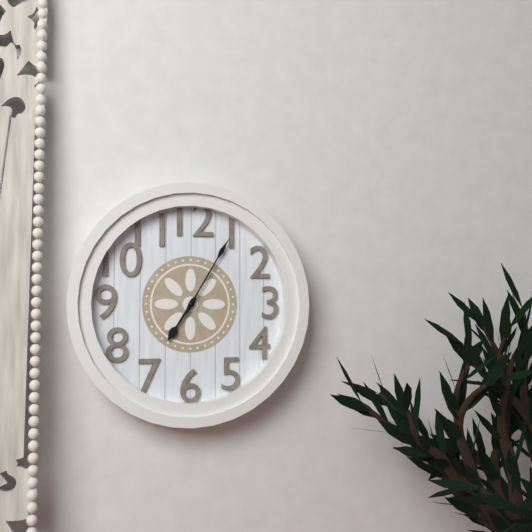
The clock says 7h05
